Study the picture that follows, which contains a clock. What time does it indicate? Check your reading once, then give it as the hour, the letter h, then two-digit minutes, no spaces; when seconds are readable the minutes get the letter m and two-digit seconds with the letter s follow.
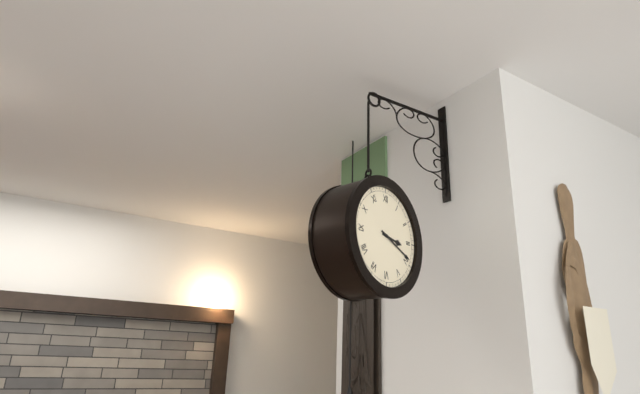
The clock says 3h19
